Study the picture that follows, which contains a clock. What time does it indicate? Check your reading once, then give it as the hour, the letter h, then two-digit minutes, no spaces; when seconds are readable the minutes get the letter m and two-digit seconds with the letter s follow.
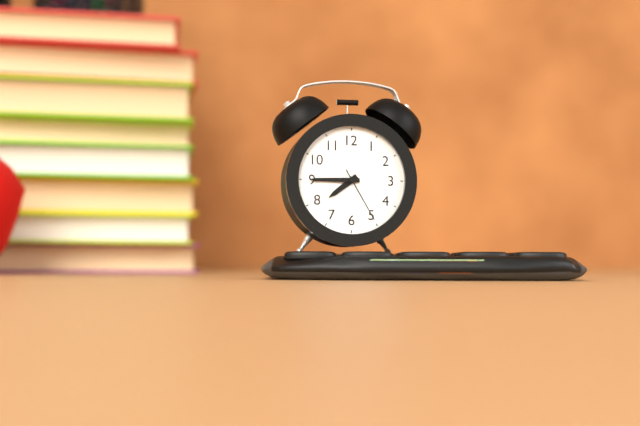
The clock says 7h45m25s
